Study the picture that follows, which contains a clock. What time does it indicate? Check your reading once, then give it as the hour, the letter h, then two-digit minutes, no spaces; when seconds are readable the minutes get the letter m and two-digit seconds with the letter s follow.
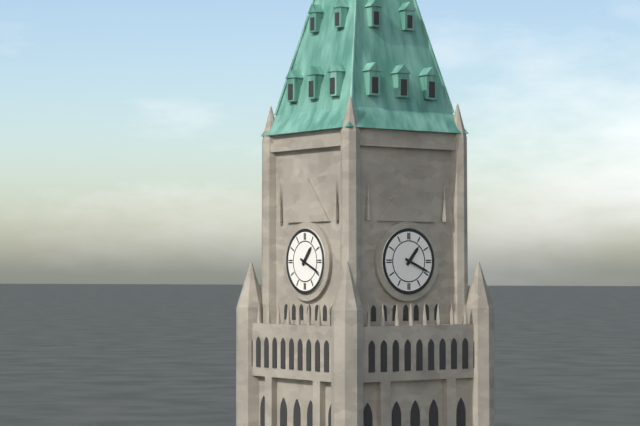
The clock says 1h19
